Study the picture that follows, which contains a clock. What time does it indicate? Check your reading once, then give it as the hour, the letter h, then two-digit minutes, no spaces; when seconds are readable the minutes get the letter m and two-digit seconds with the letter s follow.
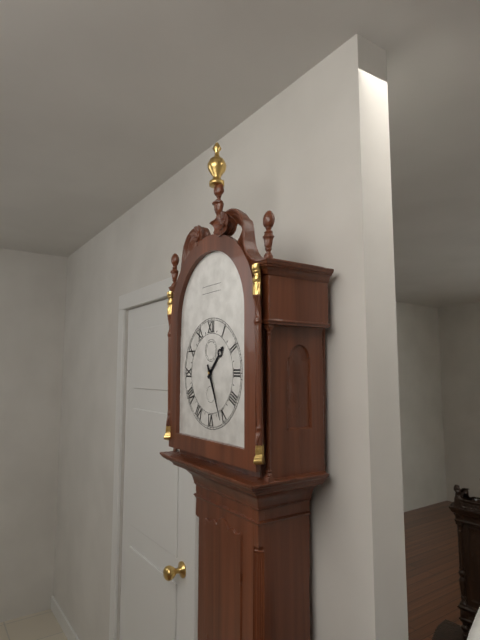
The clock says 1h26
